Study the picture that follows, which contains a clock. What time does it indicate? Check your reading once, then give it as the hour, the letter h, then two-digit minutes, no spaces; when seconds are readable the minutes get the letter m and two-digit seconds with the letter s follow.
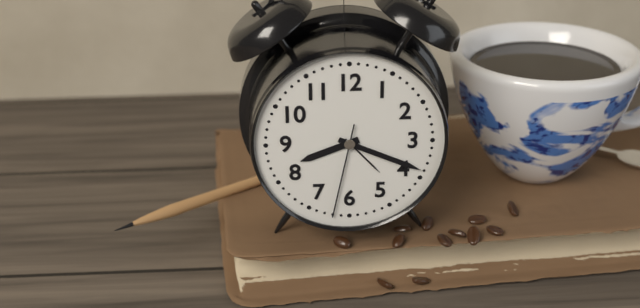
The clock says 8h19m32s
